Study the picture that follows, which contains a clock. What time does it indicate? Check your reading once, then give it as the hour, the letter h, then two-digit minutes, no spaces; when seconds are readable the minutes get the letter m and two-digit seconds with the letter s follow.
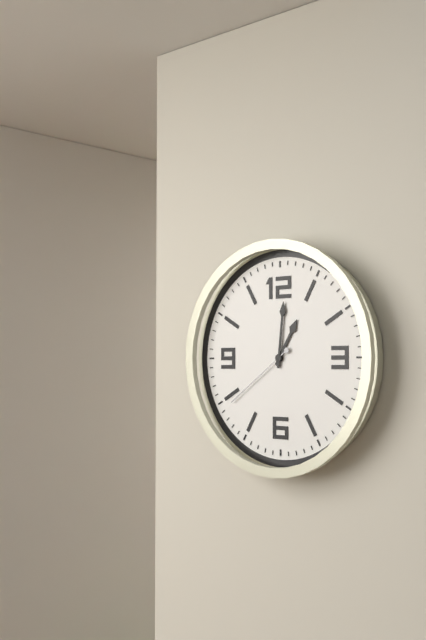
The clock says 1h01m39s
